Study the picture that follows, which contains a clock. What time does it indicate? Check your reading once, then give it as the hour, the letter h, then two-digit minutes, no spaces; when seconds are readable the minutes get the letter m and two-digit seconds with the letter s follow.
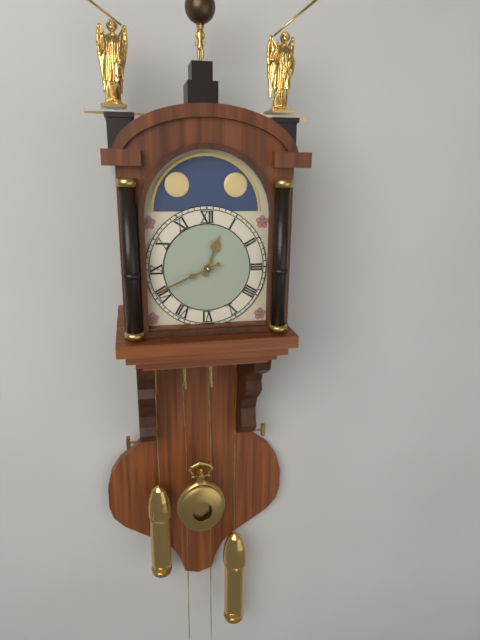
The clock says 12h41
